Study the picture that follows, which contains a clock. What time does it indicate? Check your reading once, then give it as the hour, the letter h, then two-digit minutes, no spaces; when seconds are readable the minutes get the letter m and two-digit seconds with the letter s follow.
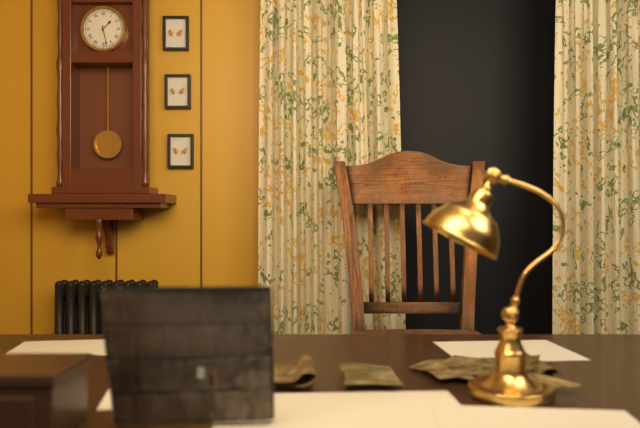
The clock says 1h28
